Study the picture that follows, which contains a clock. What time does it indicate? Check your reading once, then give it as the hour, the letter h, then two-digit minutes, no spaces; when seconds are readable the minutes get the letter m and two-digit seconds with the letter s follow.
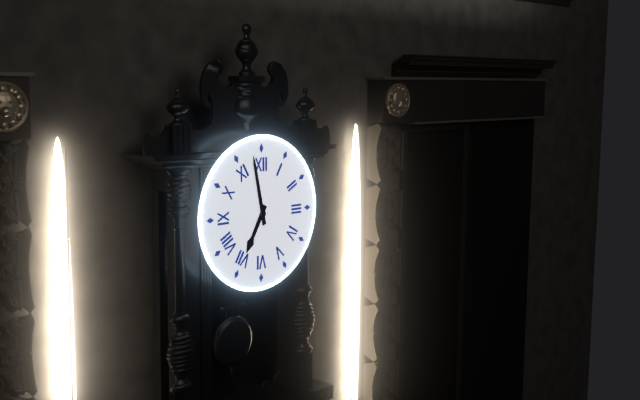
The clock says 6h58
